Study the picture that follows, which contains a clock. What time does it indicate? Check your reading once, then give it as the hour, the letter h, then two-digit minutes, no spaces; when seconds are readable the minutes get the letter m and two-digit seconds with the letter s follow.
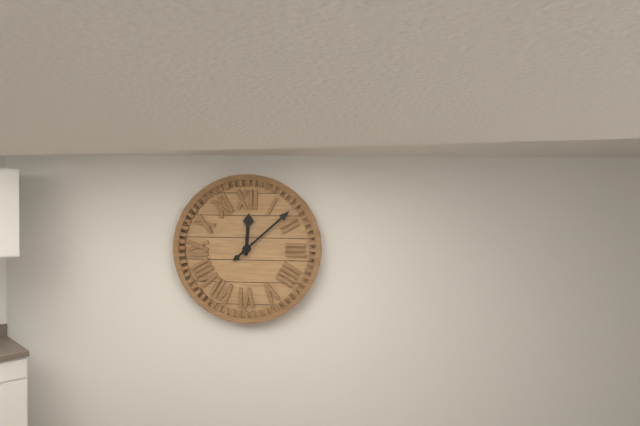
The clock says 12h08
